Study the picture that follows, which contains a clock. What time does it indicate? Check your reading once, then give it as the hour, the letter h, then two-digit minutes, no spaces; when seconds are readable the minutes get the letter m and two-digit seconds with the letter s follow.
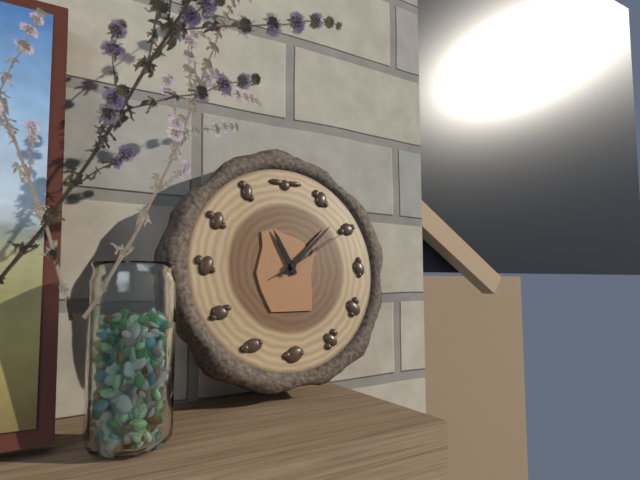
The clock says 11h08m10s
